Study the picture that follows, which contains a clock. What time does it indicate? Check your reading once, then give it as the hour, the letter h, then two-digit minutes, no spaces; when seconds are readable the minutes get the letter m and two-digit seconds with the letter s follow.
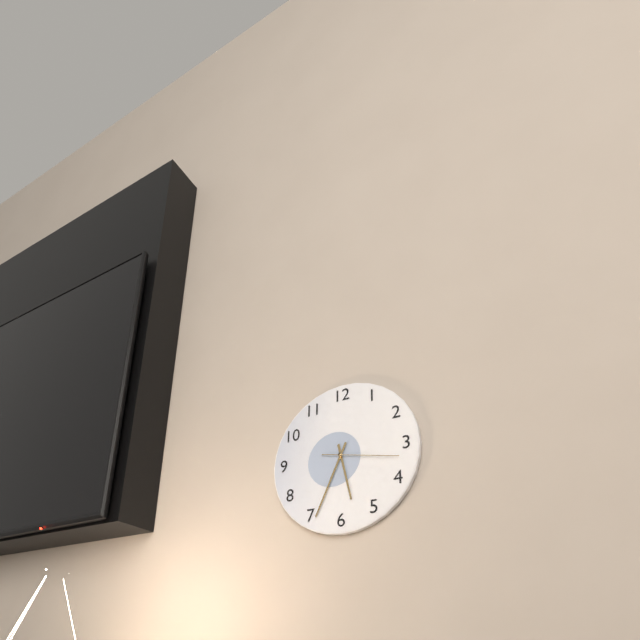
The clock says 5h34m17s
